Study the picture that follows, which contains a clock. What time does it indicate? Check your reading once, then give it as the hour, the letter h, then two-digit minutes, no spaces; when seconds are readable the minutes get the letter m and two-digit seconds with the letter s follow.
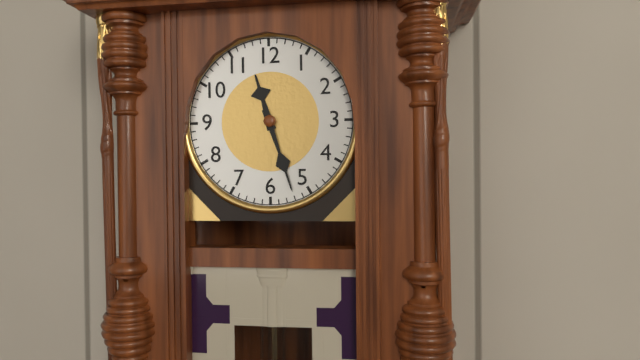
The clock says 11h27
